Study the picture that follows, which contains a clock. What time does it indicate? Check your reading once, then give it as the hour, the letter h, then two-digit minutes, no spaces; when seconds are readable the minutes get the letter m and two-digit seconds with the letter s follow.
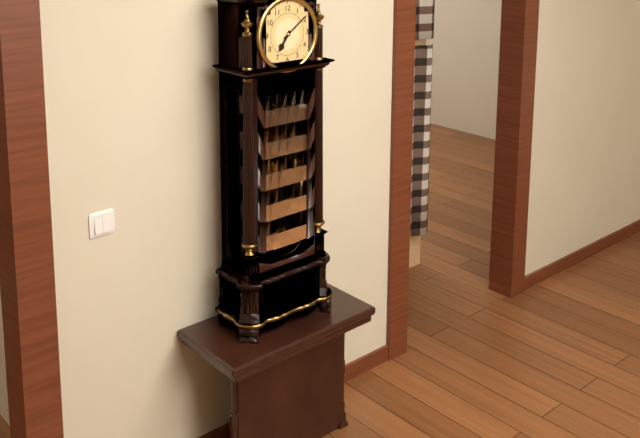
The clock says 7h09
